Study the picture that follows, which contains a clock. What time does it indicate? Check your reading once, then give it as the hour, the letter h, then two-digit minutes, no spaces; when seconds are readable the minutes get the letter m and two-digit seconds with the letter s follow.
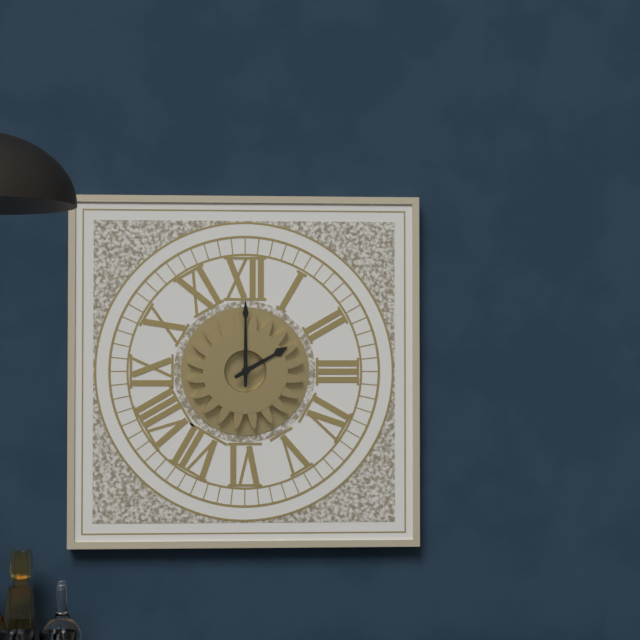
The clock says 2h00
